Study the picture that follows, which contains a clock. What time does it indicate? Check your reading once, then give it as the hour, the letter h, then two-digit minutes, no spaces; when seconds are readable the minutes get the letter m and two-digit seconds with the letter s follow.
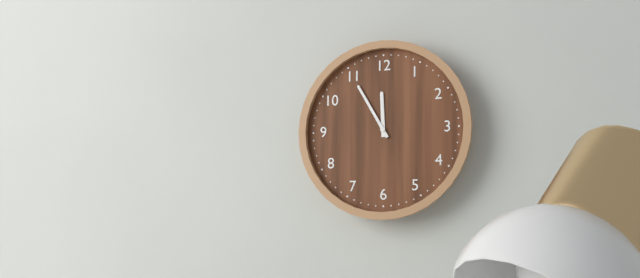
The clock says 11h55
